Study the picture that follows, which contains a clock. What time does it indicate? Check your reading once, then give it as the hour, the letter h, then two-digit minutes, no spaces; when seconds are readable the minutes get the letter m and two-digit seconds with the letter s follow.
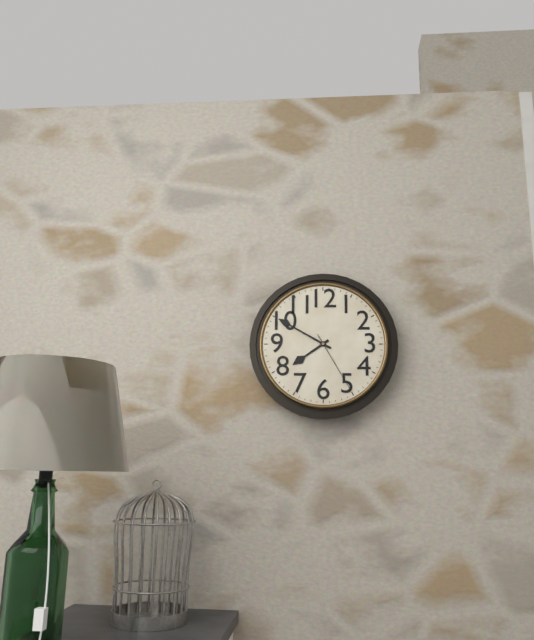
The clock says 7h50m25s
